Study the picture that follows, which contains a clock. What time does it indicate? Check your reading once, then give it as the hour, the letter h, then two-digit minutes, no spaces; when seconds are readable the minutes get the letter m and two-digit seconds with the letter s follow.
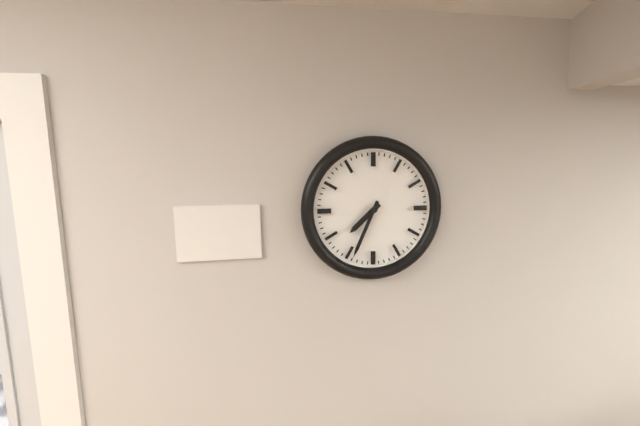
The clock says 7h34
